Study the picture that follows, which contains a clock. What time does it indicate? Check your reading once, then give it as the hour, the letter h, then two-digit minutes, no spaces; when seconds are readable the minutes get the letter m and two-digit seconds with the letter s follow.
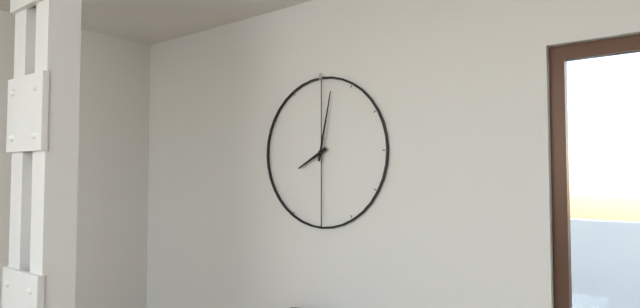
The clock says 8h02
